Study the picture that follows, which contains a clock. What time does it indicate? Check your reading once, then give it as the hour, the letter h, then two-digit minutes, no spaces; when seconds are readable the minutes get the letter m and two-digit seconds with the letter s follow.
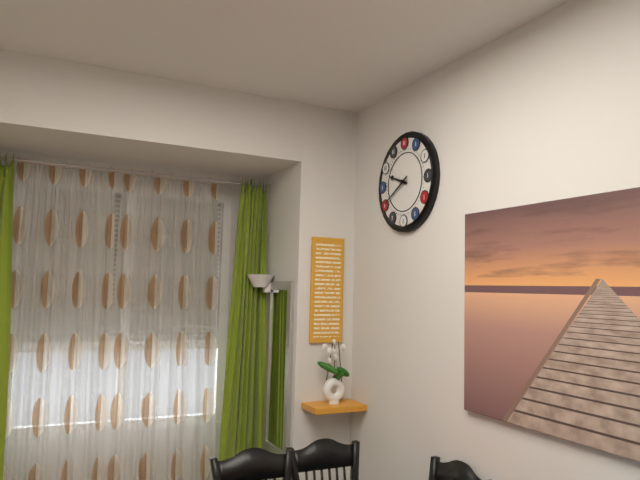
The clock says 9h40
